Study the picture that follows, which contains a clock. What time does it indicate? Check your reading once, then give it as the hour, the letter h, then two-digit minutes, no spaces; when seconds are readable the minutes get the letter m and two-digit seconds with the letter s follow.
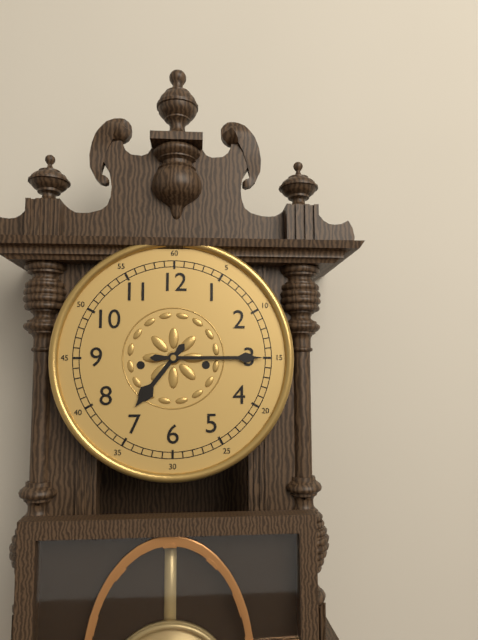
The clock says 7h15
